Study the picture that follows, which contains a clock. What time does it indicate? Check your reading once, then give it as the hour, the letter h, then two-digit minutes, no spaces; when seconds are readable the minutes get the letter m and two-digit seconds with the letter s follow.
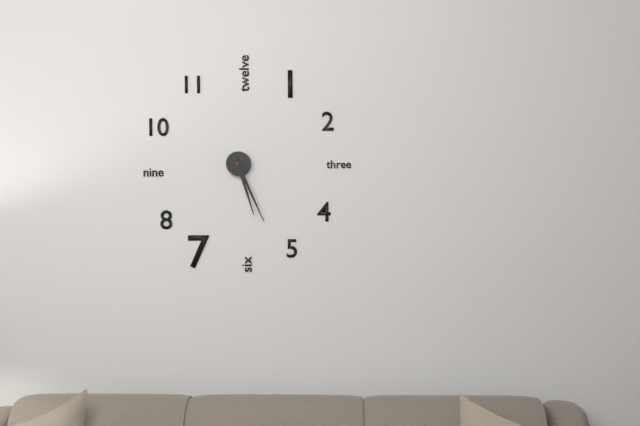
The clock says 5h26
